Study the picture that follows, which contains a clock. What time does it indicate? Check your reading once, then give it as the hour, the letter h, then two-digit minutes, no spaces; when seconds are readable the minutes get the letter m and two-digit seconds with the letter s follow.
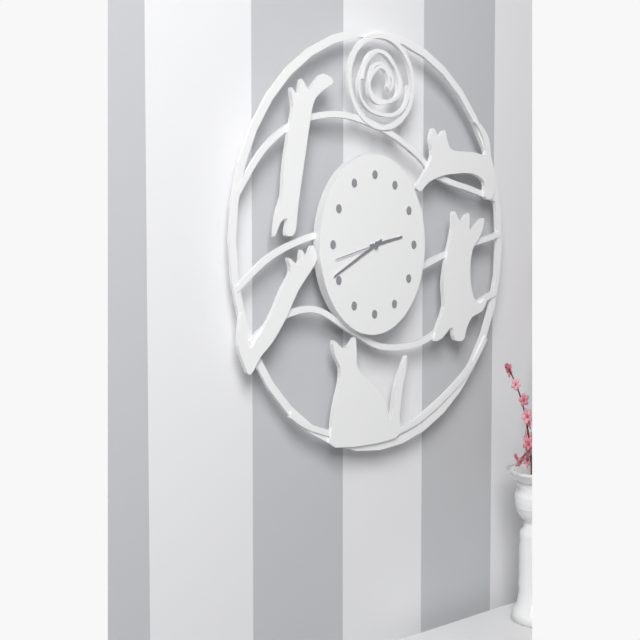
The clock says 2h41m43s
